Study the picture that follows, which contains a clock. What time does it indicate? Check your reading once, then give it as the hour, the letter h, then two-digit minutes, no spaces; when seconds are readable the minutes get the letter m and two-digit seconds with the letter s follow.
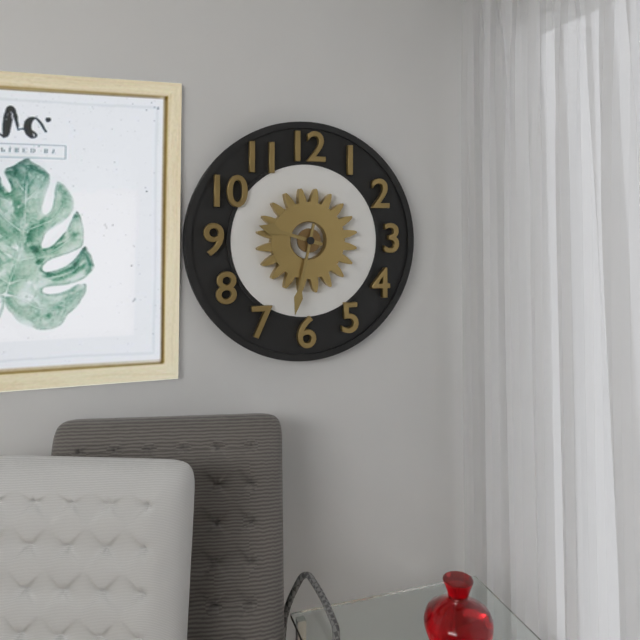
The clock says 9h32
